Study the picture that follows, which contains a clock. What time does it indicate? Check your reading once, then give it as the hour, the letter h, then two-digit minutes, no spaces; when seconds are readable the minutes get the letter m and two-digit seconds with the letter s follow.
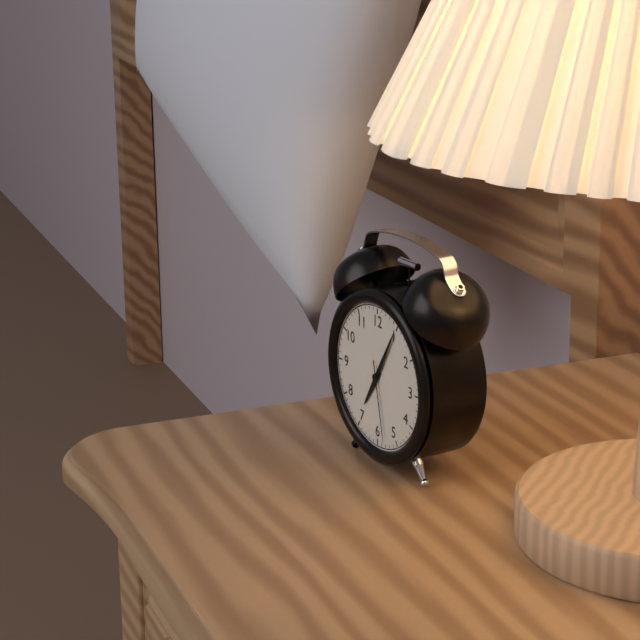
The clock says 7h05m28s
